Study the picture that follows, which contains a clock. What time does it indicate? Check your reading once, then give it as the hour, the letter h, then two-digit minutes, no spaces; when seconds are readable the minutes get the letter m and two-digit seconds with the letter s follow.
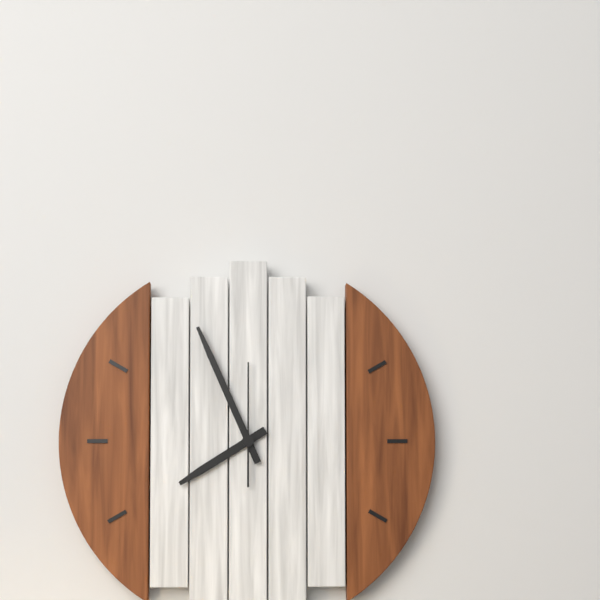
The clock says 7h56m00s
